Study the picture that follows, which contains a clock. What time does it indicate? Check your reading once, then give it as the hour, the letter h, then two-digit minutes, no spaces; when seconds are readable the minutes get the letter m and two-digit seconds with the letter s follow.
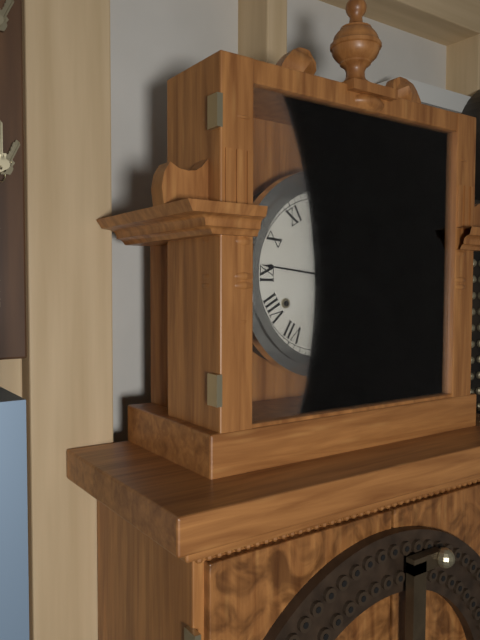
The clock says 11h46
